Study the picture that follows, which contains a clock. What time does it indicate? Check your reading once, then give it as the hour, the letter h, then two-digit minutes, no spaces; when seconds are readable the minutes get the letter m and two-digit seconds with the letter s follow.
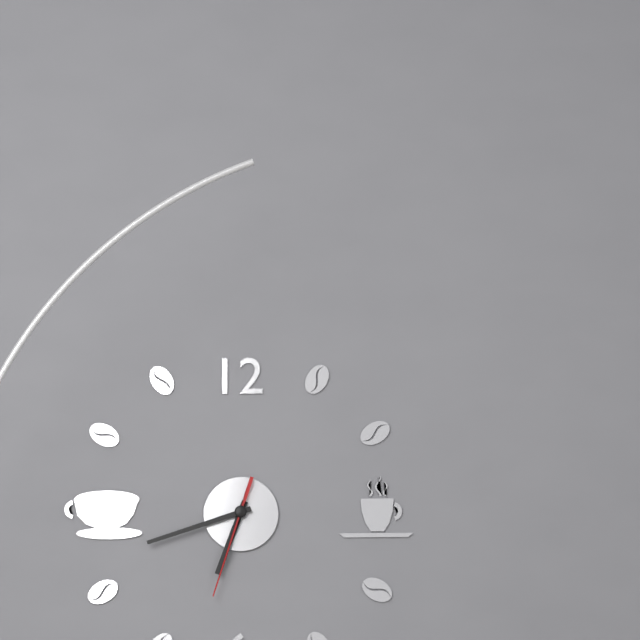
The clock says 6h42m33s
